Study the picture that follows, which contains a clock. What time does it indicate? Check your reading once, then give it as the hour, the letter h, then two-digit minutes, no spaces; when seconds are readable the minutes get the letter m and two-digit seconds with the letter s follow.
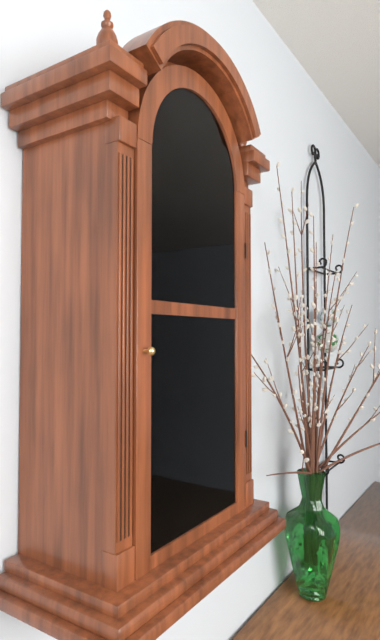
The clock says 9h35
